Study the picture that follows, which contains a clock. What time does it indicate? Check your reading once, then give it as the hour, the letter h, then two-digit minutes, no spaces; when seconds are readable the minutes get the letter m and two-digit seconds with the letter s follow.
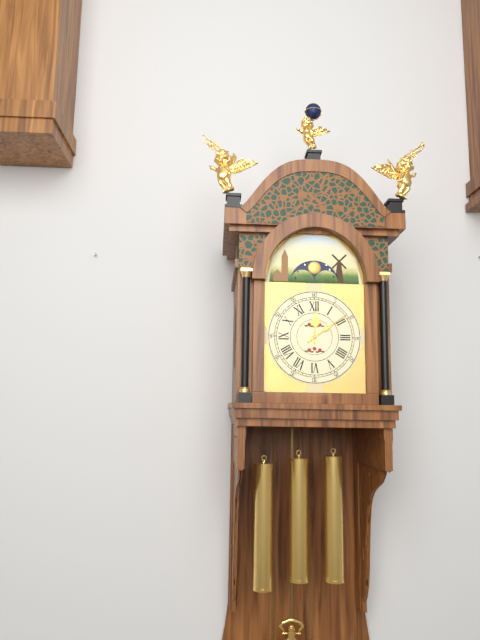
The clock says 12h09
